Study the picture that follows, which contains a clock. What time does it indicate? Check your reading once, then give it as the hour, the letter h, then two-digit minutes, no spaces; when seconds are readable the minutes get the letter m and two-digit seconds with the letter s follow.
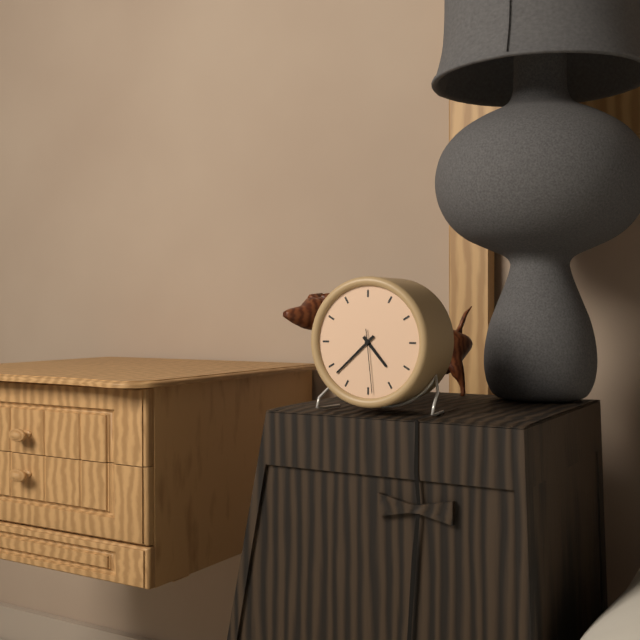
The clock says 4h38m29s
